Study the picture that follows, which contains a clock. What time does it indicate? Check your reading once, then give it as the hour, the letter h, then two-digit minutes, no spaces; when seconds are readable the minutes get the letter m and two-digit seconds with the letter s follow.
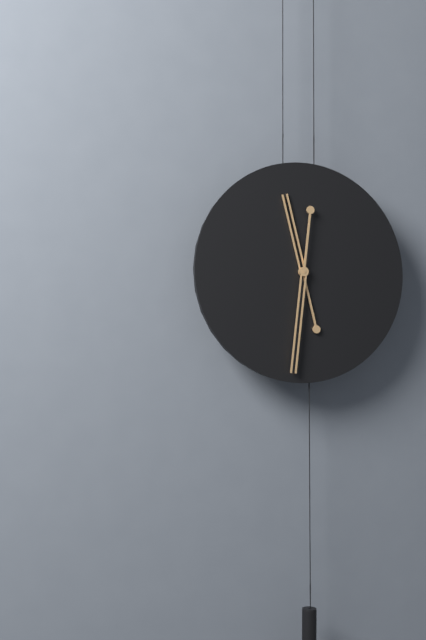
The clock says 11h31
